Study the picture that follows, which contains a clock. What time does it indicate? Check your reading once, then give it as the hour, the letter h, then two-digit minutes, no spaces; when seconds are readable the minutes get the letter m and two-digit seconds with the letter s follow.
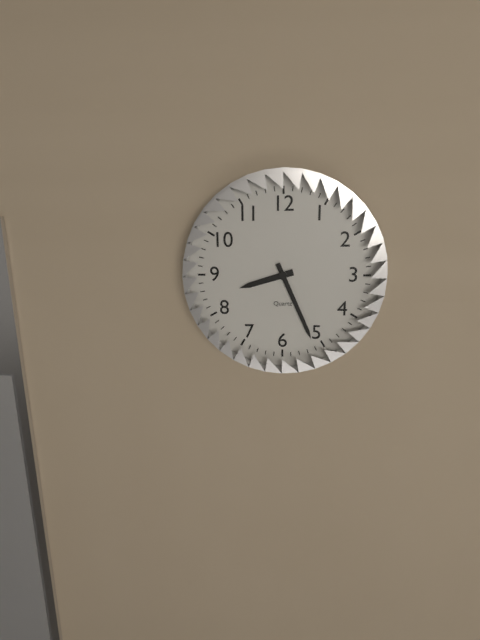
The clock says 8h26
